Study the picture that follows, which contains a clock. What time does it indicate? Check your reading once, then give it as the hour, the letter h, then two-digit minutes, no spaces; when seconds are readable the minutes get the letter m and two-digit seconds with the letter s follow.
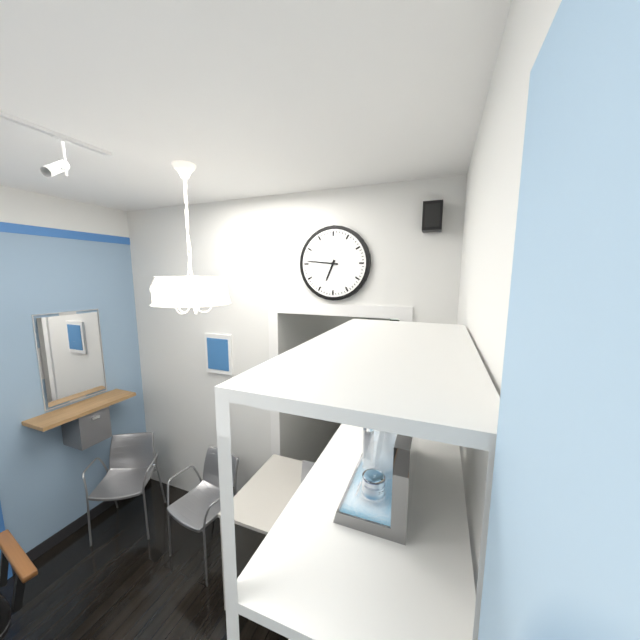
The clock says 6h46
